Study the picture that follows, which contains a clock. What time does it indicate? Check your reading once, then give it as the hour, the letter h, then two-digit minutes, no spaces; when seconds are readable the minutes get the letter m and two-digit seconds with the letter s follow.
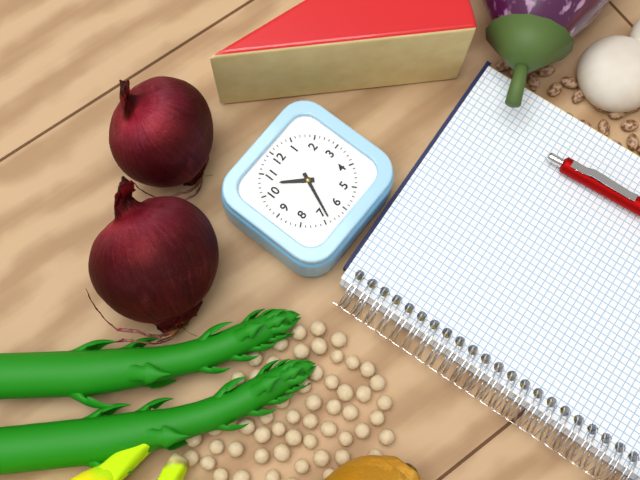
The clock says 10h34
